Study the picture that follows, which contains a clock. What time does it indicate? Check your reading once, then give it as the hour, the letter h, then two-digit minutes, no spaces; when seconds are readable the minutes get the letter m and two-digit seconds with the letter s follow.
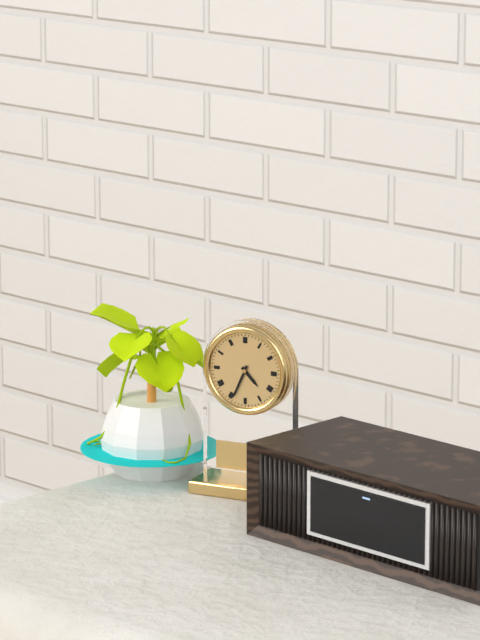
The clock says 4h34
